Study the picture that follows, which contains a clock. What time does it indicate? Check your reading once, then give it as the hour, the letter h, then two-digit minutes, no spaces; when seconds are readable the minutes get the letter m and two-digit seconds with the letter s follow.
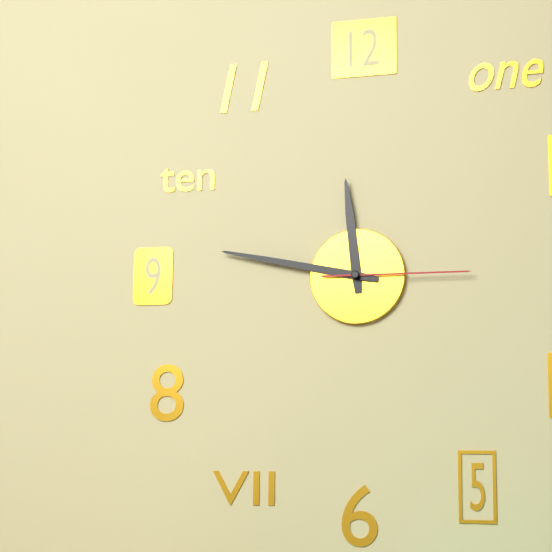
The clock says 11h47m15s
